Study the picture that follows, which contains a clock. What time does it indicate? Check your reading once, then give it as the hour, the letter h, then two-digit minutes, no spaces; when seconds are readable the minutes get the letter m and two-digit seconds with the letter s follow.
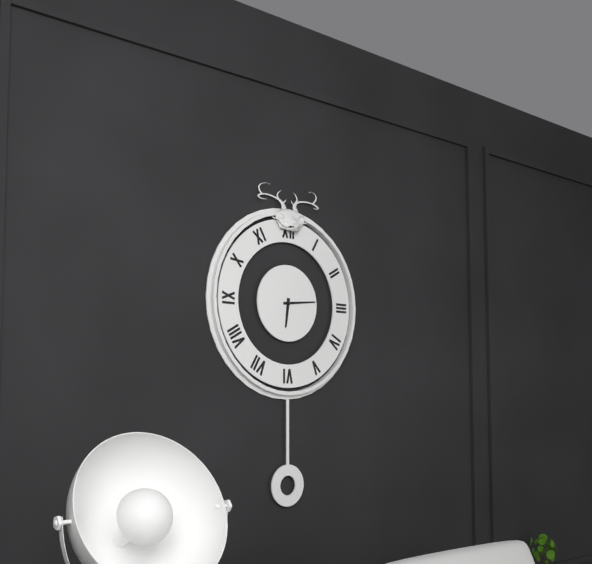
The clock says 6h14
